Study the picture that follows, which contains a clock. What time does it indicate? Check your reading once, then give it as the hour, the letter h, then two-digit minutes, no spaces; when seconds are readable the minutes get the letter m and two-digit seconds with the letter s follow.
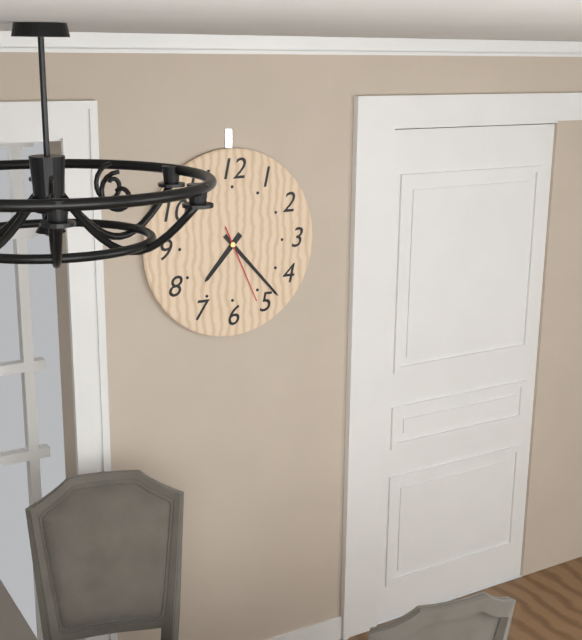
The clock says 7h23m26s
